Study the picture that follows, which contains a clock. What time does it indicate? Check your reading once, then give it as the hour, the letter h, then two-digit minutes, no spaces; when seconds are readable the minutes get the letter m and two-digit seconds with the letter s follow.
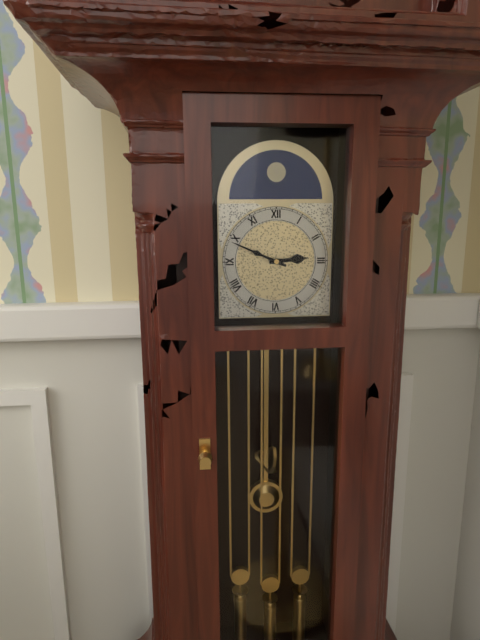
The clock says 2h49
